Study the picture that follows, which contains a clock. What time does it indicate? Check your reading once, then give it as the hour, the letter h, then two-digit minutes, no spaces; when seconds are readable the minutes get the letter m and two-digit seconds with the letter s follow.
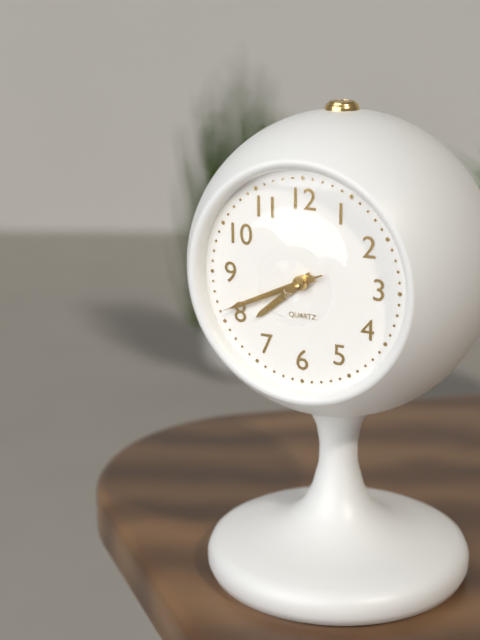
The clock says 7h41m41s
